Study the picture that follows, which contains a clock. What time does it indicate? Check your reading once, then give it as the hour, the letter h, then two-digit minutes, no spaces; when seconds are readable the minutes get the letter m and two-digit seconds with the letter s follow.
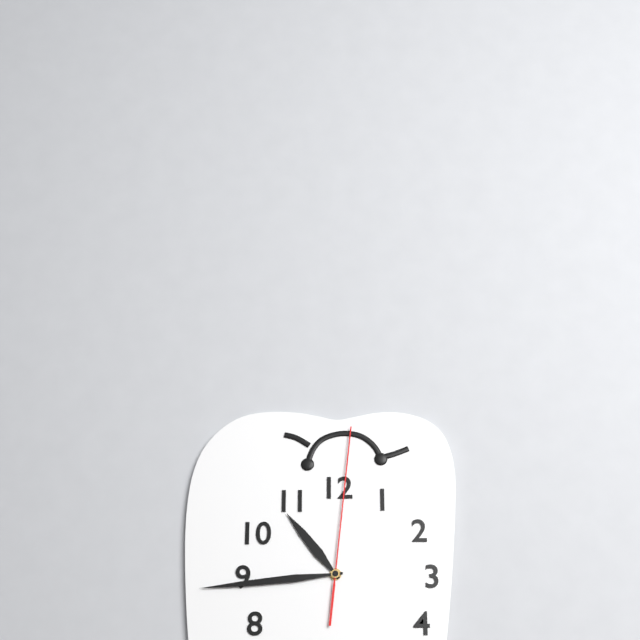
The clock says 10h44m01s
